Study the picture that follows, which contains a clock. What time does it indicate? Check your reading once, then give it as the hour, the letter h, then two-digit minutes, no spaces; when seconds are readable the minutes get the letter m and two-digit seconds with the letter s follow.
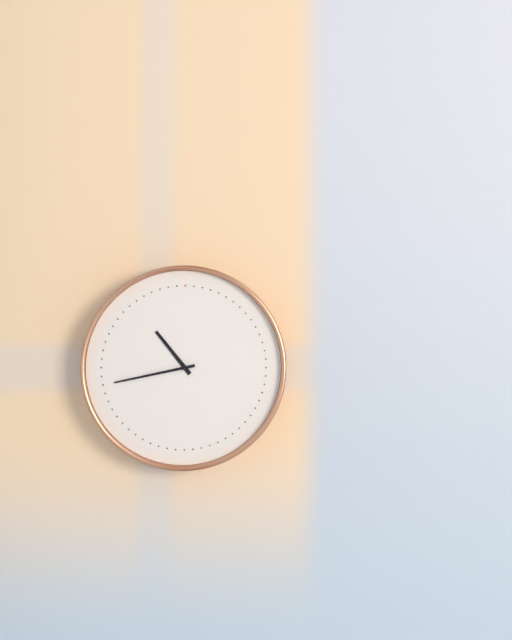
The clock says 10h43
